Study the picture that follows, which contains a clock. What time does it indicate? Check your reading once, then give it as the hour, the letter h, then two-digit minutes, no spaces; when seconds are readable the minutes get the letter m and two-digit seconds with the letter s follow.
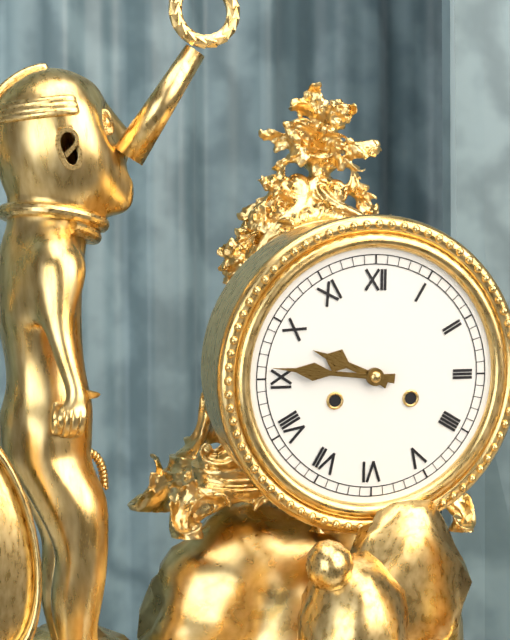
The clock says 9h46
